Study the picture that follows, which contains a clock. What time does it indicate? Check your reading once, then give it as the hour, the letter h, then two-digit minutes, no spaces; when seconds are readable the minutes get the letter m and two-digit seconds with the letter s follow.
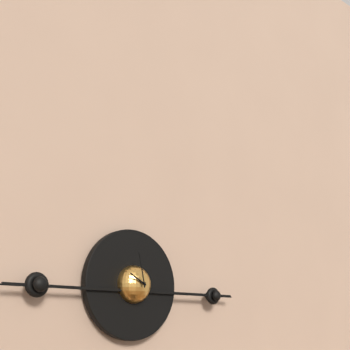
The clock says 9h58
